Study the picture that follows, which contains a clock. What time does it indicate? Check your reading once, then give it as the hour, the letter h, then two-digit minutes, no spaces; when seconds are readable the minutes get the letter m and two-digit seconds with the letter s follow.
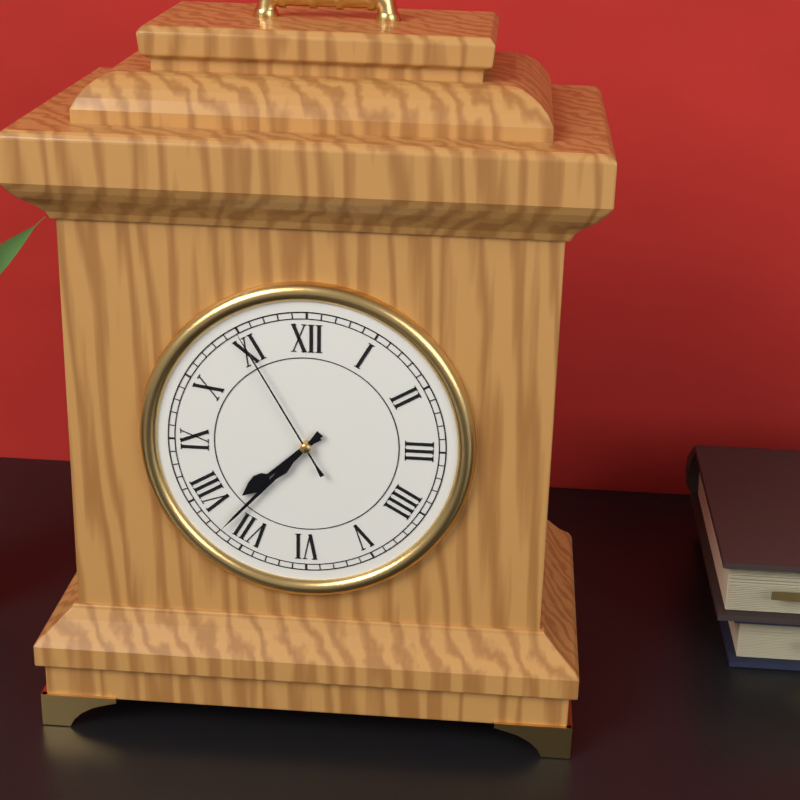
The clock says 7h37m55s
